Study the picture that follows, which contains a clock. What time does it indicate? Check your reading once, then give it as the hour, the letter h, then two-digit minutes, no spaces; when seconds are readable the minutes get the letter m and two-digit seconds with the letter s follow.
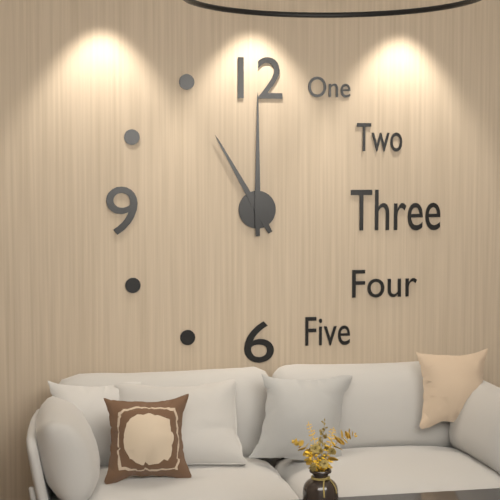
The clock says 11h00
